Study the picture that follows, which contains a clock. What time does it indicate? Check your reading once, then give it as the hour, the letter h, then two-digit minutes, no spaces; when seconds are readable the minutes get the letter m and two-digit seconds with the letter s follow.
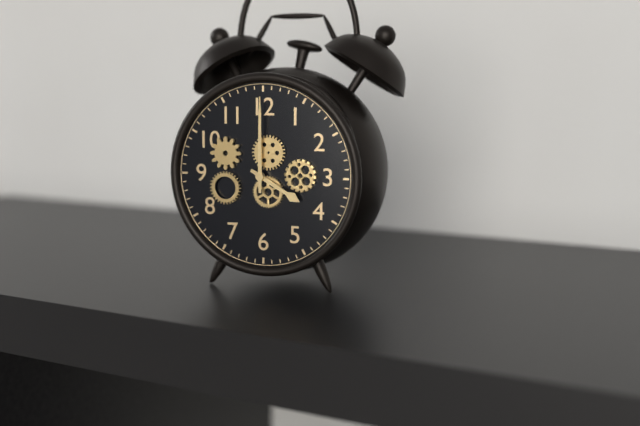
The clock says 4h00
